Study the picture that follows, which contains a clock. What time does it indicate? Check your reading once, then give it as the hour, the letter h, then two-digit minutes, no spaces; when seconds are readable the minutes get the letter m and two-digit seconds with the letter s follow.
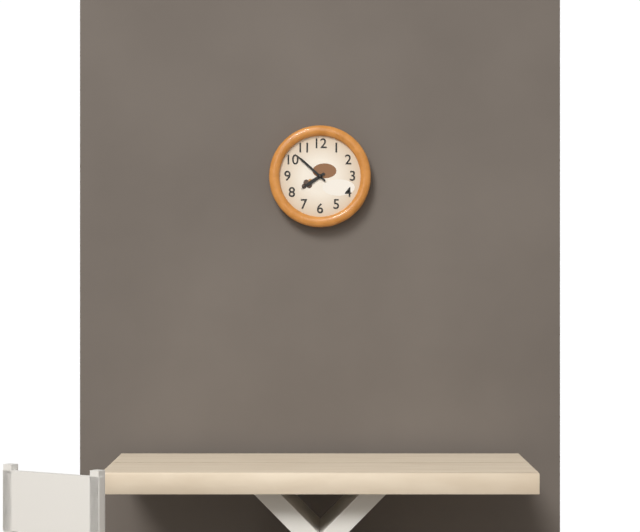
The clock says 7h52
